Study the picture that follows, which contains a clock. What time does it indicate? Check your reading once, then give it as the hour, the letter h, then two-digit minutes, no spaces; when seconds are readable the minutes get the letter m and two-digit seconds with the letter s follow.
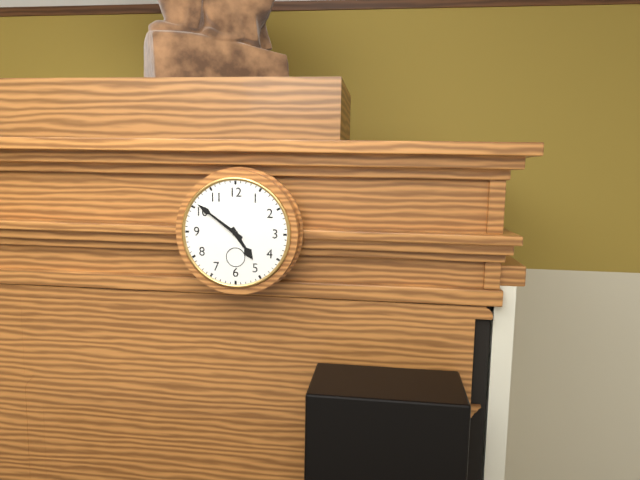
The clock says 4h51
